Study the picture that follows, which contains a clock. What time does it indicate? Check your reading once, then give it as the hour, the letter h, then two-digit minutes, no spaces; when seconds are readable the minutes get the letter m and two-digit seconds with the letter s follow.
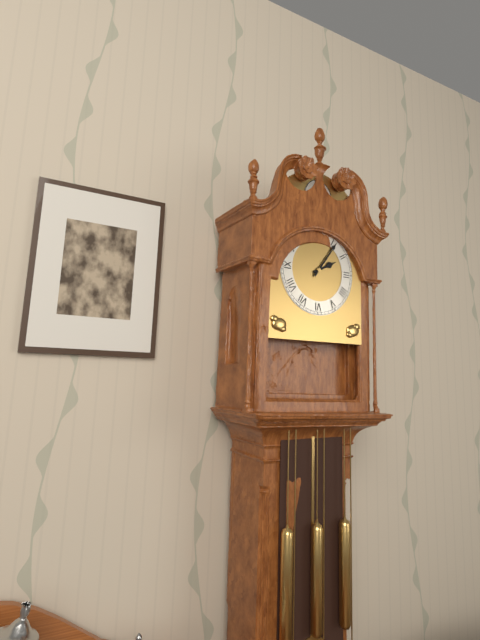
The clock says 2h06
